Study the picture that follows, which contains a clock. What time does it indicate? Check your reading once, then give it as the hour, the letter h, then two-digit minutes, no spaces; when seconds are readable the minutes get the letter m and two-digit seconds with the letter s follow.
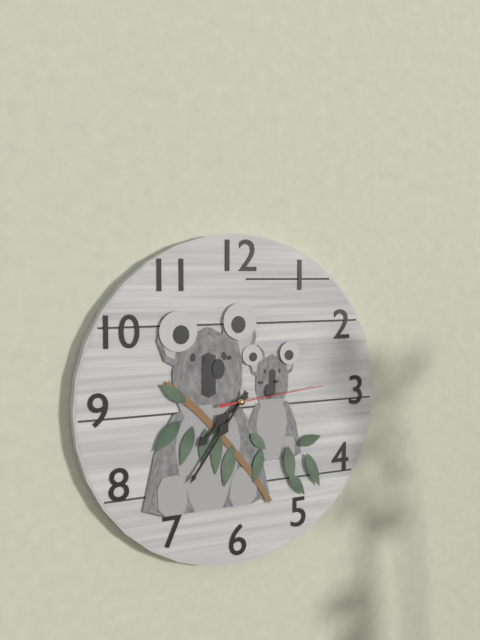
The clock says 7h36m14s
